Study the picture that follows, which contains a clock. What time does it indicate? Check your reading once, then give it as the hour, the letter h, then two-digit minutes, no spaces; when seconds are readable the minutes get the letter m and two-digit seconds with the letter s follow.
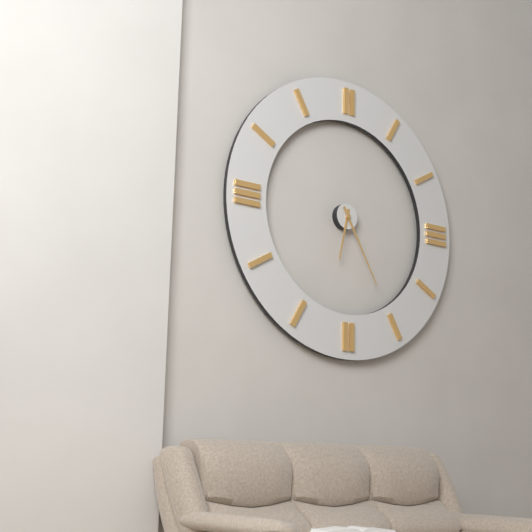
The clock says 6h25
